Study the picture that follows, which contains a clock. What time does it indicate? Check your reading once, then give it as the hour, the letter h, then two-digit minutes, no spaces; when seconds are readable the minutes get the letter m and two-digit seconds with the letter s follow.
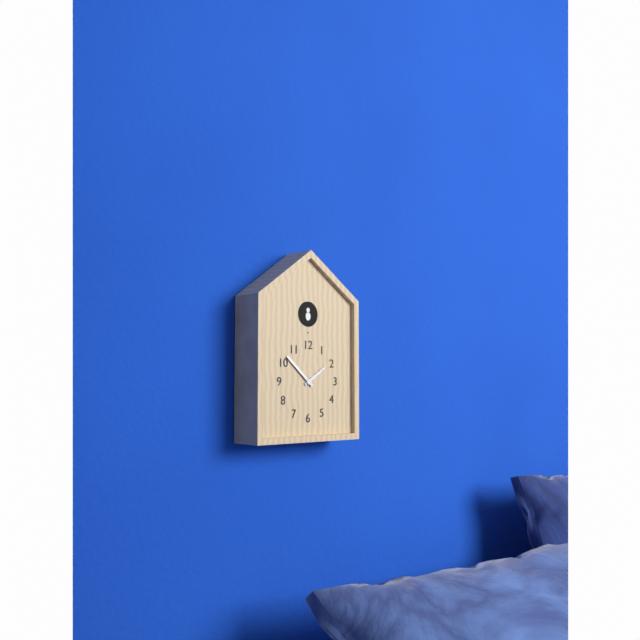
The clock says 1h52
